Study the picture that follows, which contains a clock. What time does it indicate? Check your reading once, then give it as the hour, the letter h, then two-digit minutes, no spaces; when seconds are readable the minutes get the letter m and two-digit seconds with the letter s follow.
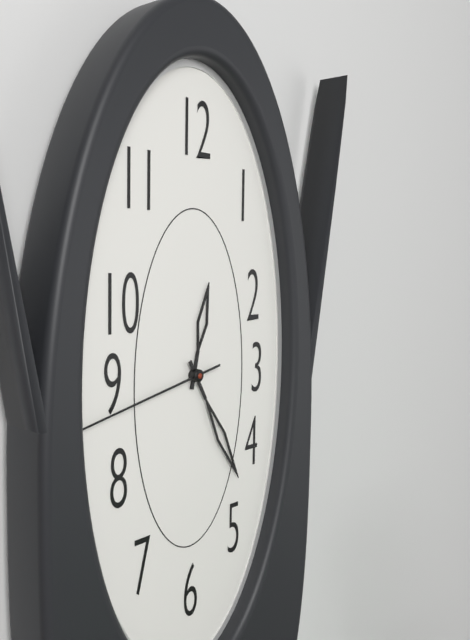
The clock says 12h25m43s
